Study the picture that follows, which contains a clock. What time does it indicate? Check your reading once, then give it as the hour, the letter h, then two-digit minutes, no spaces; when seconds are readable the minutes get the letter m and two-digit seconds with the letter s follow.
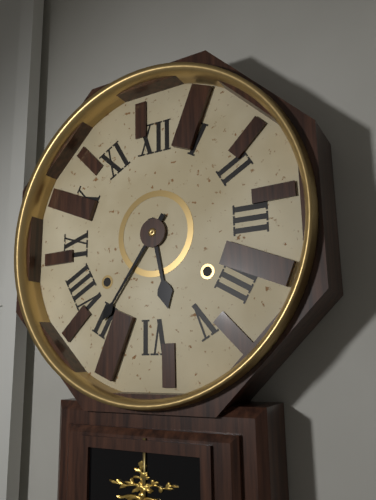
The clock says 5h36
